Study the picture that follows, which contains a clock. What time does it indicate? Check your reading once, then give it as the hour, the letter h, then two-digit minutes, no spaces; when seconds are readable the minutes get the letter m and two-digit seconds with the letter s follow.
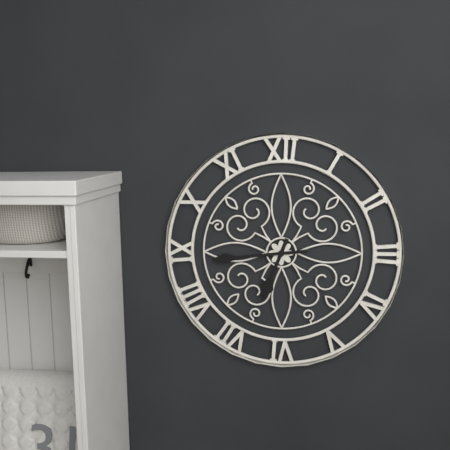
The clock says 6h44
